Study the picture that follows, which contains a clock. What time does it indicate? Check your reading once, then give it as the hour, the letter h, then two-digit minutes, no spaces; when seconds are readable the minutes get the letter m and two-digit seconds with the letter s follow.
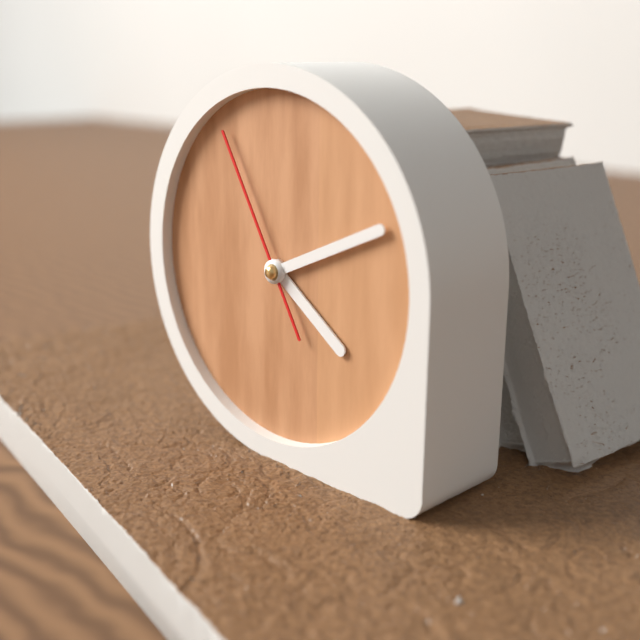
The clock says 4h11m55s
